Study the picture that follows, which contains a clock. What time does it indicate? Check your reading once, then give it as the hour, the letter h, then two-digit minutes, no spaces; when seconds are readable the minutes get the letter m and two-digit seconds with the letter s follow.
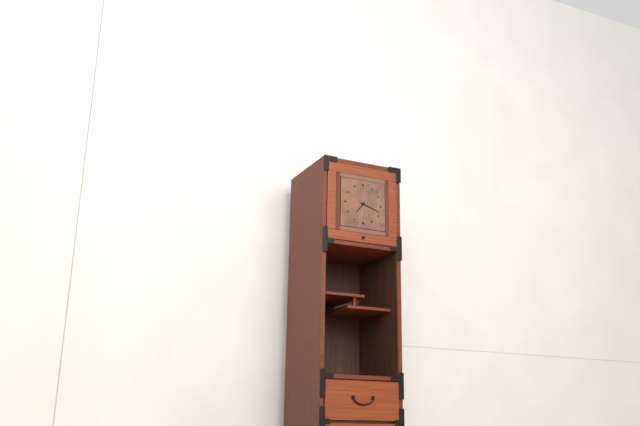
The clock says 7h18
